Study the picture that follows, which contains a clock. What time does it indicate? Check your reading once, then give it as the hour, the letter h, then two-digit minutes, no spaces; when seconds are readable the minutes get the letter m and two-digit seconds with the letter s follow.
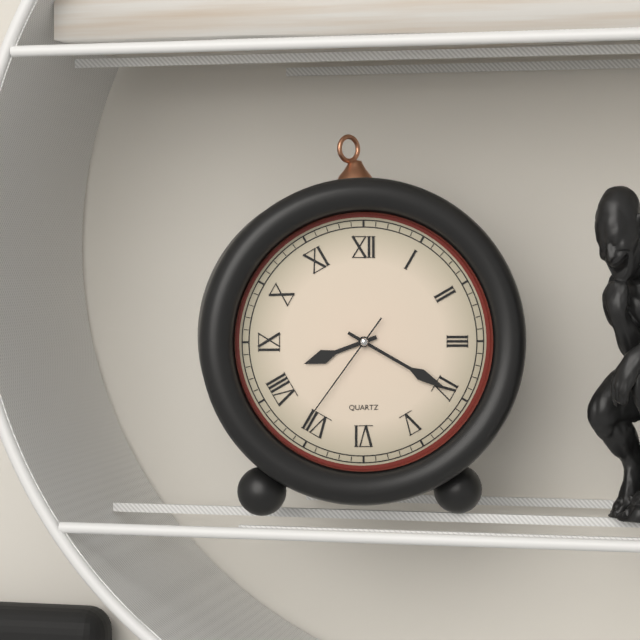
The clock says 8h20m36s
